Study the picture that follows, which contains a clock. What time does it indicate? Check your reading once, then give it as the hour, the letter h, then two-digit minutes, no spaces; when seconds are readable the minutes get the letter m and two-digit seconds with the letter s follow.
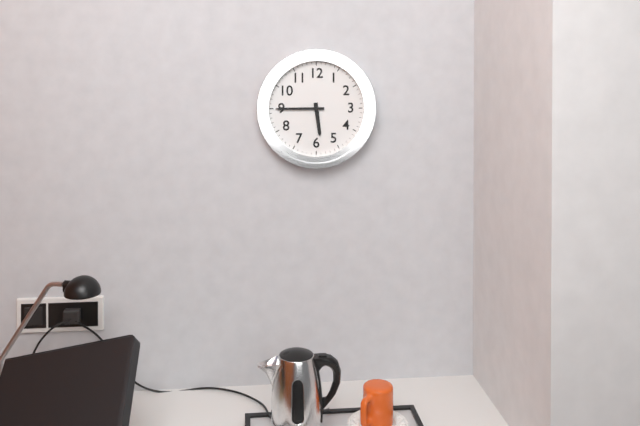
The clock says 5h45
